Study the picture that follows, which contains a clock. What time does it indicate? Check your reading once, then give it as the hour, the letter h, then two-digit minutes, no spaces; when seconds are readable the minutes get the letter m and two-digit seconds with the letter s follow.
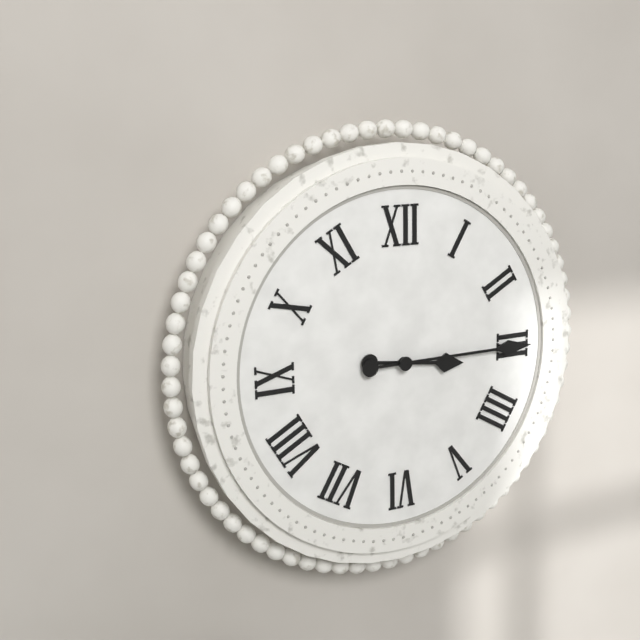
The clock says 3h15
